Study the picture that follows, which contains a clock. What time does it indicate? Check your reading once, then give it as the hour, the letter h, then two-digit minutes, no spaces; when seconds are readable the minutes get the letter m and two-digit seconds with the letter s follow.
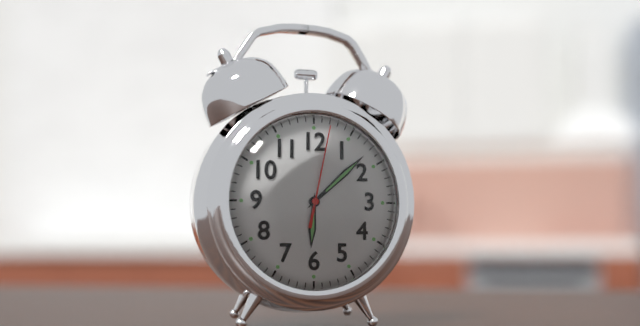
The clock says 6h08m02s
